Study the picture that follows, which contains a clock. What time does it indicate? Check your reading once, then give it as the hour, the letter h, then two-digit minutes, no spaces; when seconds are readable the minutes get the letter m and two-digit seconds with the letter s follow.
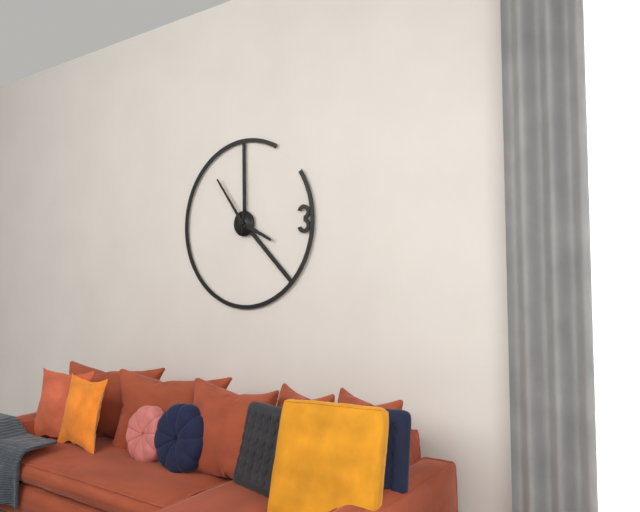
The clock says 3h54m01s
